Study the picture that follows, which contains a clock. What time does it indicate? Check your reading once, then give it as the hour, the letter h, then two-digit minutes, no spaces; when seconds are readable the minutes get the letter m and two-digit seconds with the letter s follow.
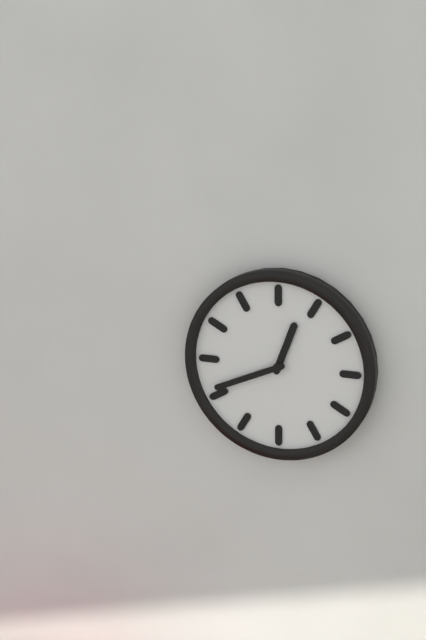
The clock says 12h41
